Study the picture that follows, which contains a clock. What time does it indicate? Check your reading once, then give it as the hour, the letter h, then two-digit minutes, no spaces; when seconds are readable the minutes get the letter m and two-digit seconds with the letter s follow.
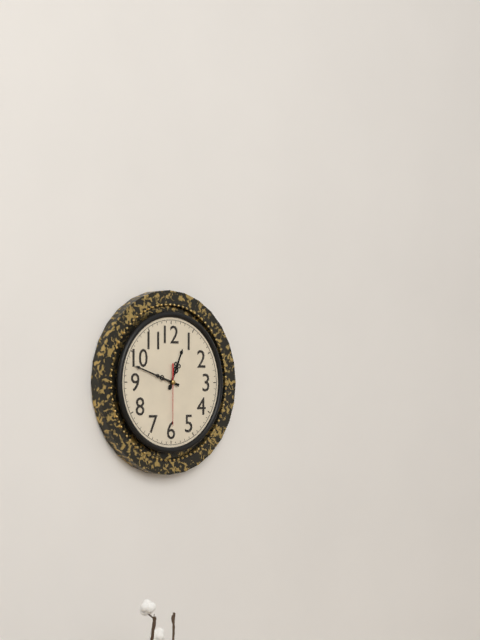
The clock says 12h48m30s
